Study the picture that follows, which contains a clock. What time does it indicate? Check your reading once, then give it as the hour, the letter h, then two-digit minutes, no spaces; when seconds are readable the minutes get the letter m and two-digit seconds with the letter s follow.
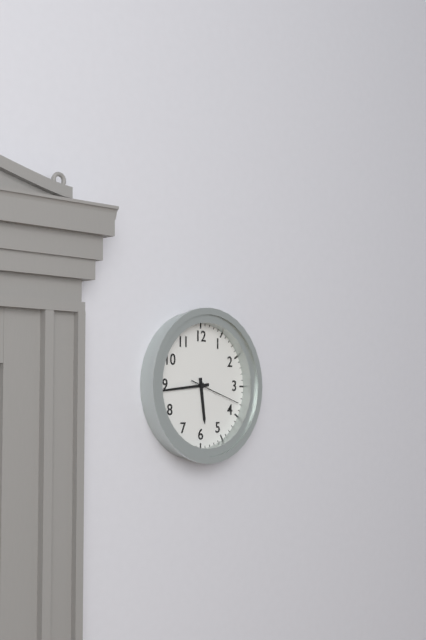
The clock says 5h44m18s
